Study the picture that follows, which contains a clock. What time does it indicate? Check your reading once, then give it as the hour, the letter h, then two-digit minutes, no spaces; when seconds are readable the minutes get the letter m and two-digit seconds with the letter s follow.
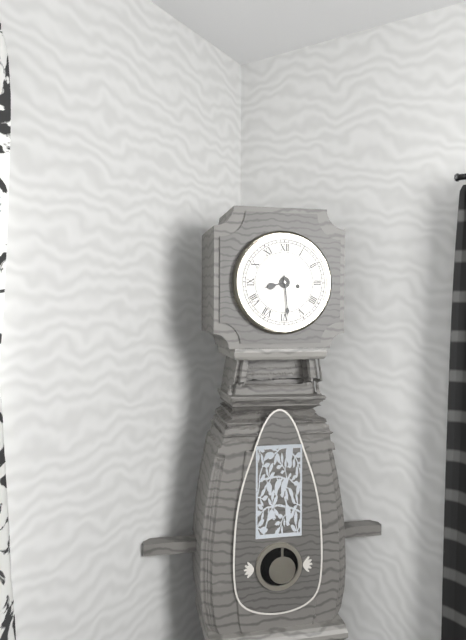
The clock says 8h29
